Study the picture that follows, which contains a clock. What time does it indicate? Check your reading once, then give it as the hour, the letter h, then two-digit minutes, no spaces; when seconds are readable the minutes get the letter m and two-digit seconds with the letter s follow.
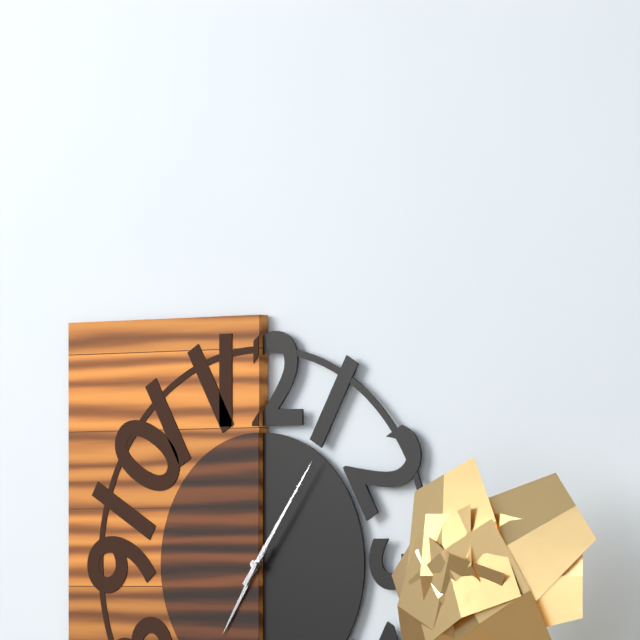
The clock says 7h06
